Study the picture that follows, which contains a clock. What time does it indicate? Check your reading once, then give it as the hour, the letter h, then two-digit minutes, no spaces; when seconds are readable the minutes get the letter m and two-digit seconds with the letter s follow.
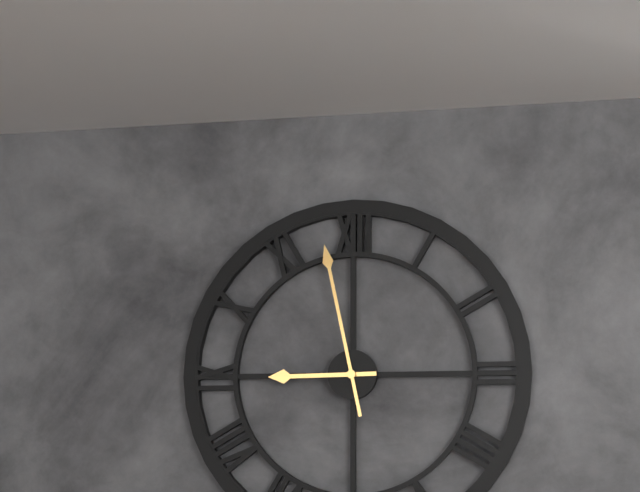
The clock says 8h58
